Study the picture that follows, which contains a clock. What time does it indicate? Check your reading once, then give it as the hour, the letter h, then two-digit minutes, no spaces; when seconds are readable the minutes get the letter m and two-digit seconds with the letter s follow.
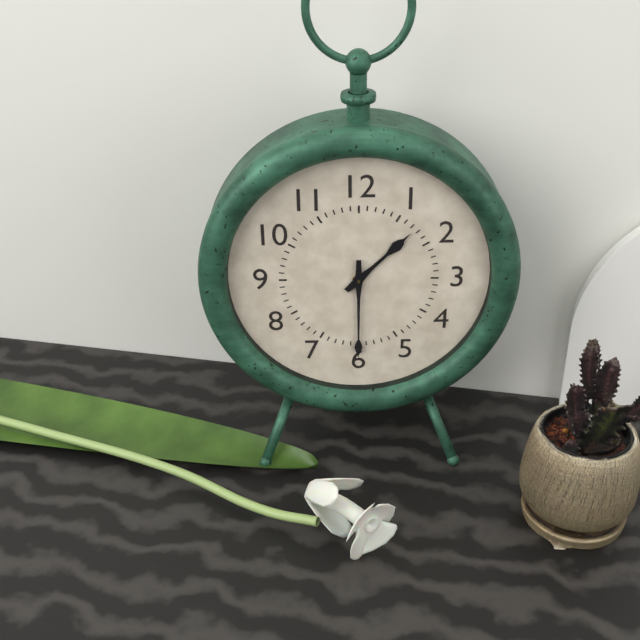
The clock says 1h30
